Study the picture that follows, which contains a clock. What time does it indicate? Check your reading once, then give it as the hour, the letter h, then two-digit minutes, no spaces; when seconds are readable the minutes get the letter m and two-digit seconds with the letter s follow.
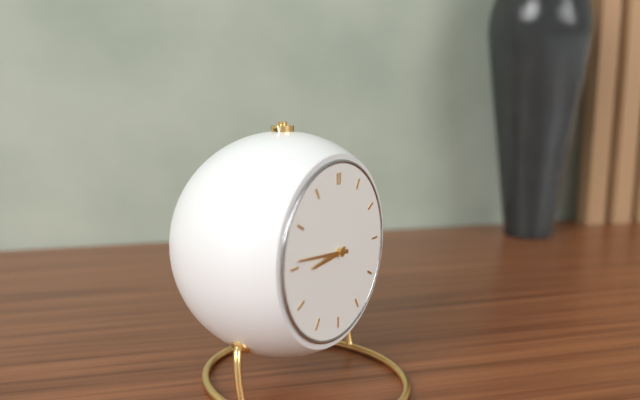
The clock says 8h46
